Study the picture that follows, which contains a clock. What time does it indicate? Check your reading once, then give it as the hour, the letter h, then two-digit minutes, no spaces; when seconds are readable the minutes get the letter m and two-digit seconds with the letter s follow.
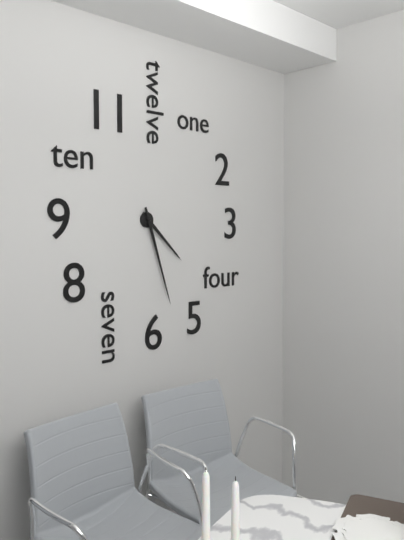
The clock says 4h27
